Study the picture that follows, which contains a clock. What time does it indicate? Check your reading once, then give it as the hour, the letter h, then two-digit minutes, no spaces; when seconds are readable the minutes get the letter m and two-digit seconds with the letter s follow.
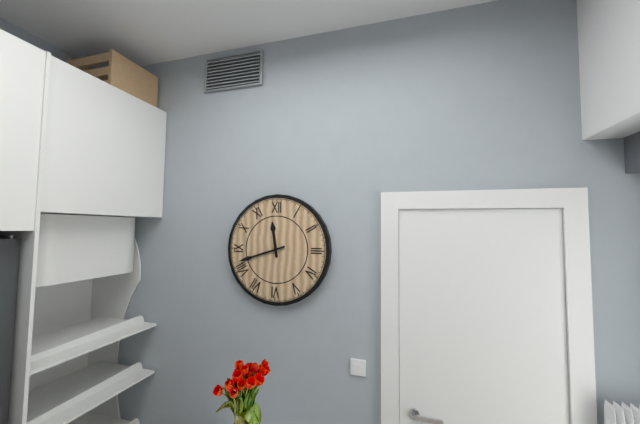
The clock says 11h42
